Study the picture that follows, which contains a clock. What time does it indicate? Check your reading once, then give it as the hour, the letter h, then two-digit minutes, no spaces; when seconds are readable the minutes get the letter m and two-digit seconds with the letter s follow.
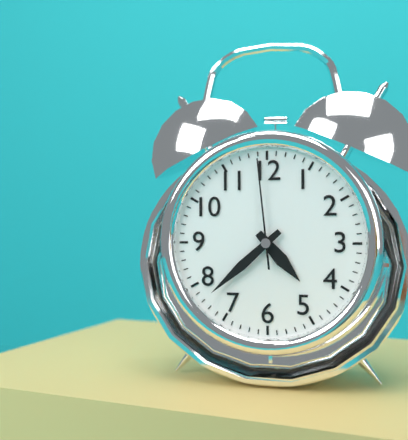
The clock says 4h38m59s
